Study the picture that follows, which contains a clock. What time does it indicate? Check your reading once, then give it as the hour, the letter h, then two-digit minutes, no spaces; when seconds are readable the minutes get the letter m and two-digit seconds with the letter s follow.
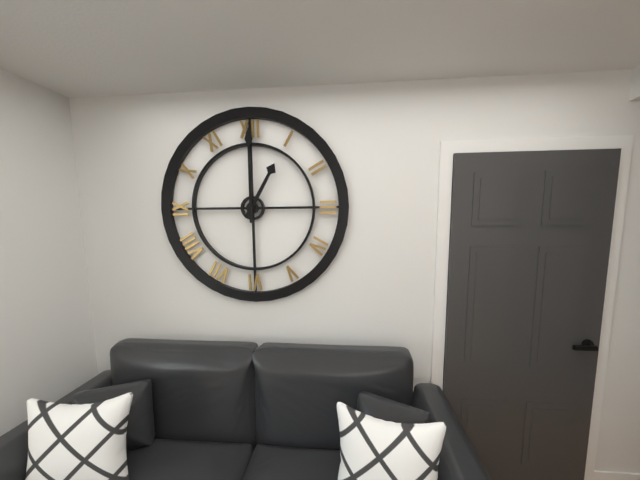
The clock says 1h00
